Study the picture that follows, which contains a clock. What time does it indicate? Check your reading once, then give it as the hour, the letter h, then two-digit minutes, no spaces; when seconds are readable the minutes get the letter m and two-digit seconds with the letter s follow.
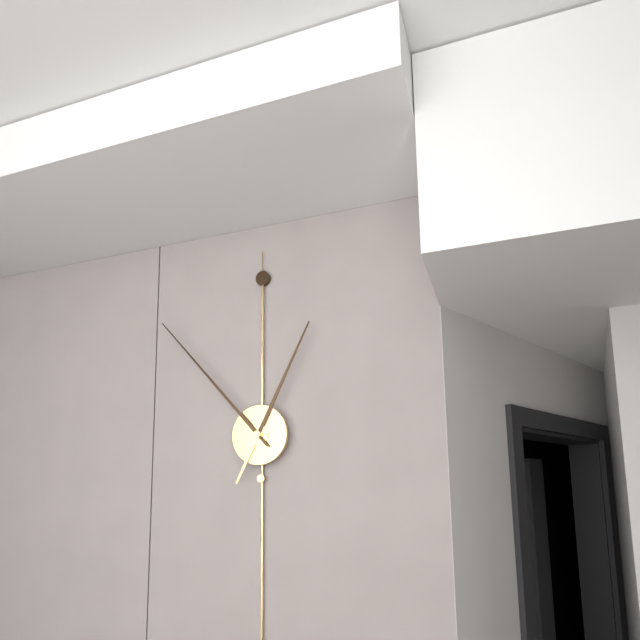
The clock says 12h53
